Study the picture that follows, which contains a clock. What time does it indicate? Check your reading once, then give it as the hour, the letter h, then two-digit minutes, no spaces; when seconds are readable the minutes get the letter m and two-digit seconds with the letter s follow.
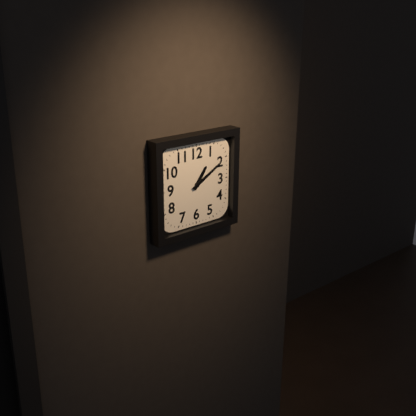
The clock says 1h10
